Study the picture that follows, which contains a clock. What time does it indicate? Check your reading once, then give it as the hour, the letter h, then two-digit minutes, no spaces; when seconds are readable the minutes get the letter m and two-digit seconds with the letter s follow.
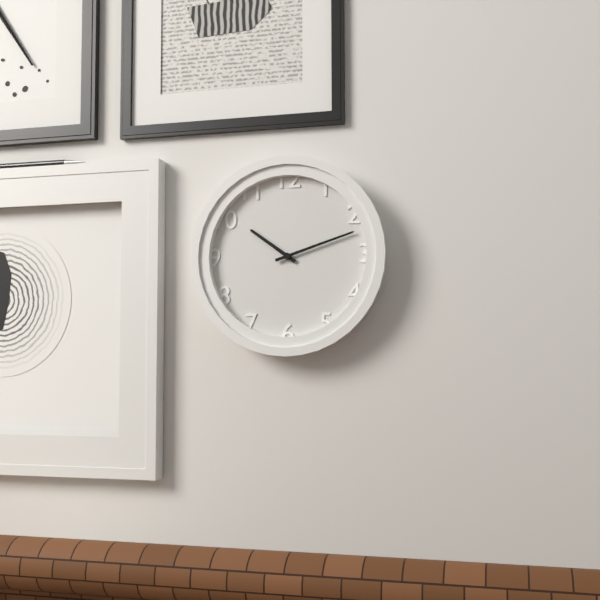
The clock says 10h12
